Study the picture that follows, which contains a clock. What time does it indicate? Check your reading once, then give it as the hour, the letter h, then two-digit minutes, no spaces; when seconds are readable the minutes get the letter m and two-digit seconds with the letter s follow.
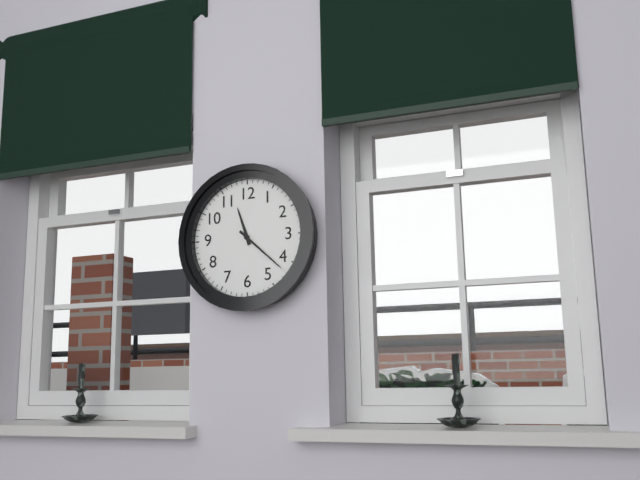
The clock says 11h22
